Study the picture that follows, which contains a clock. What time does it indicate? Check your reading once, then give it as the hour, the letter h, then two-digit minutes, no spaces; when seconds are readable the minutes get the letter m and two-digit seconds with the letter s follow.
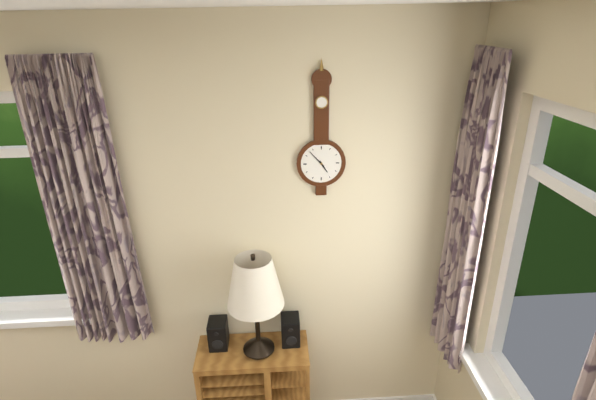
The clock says 4h53
